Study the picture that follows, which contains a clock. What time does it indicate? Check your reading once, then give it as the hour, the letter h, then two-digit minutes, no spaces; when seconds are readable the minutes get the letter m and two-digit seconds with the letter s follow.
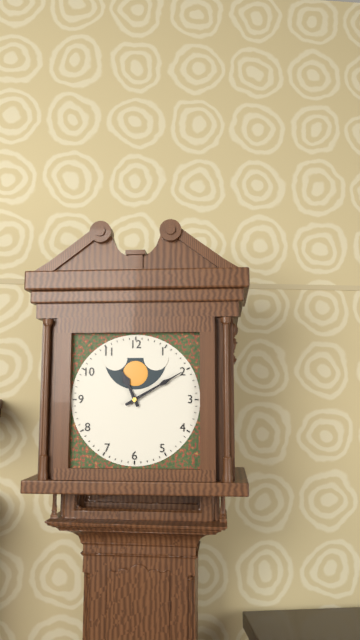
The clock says 11h10
